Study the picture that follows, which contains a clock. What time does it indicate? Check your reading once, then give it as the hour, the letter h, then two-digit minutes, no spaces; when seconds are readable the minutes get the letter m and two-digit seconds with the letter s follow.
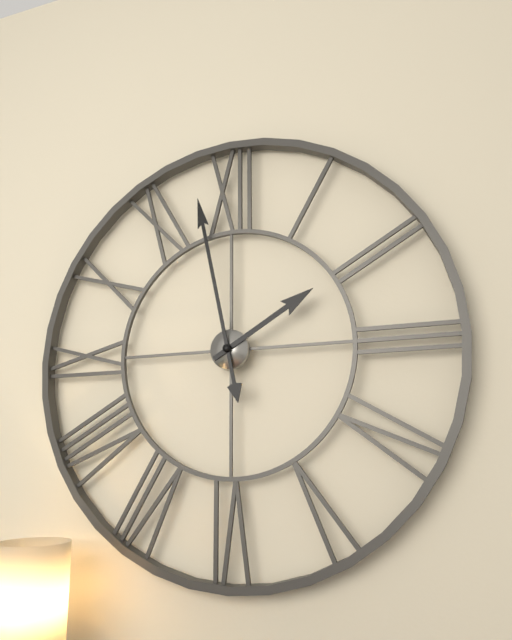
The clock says 1h58
